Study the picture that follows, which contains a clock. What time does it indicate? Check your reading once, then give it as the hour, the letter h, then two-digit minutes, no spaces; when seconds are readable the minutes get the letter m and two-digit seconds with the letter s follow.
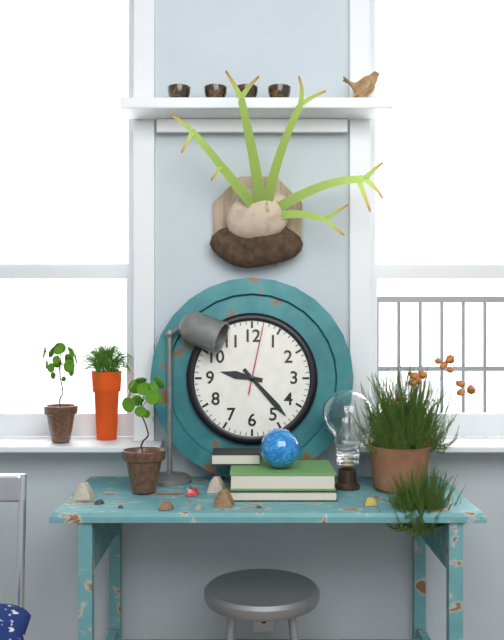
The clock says 9h23m02s
